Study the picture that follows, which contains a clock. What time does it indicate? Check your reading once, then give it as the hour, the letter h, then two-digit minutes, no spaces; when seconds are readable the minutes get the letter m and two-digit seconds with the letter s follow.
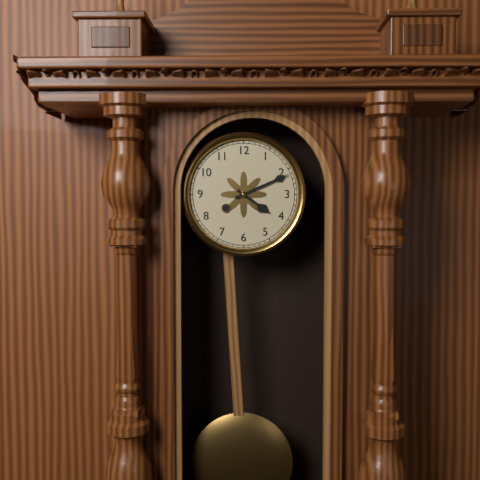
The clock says 4h11
